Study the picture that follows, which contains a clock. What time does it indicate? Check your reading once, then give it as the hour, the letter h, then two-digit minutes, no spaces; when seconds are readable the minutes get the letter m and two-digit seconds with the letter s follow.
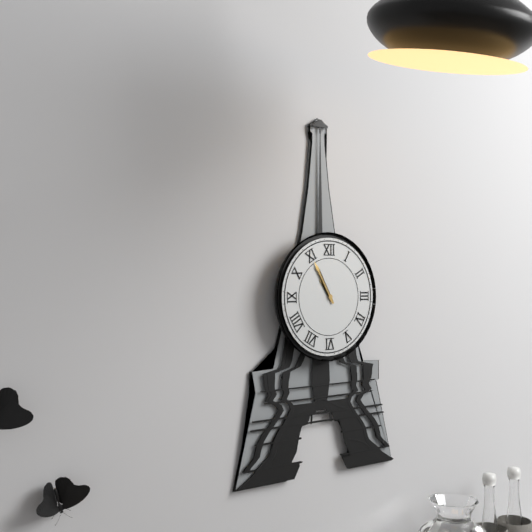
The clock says 10h55
